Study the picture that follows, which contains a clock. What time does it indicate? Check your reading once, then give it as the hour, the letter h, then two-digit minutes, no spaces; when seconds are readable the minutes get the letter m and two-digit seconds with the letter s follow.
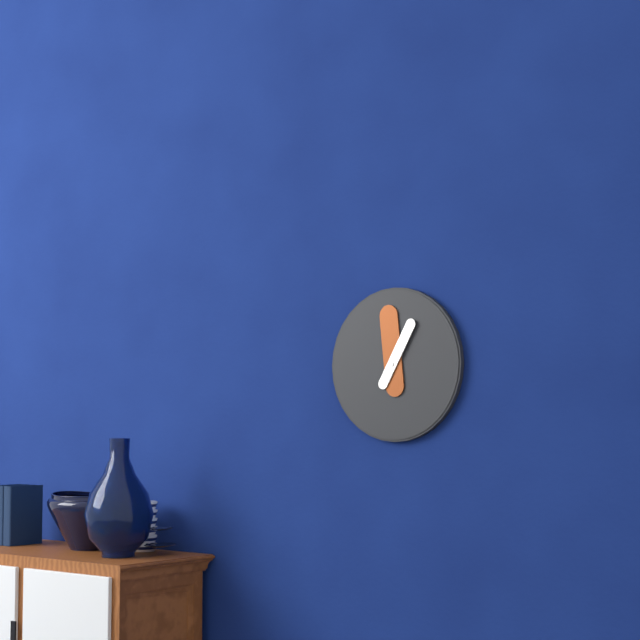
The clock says 12h59
